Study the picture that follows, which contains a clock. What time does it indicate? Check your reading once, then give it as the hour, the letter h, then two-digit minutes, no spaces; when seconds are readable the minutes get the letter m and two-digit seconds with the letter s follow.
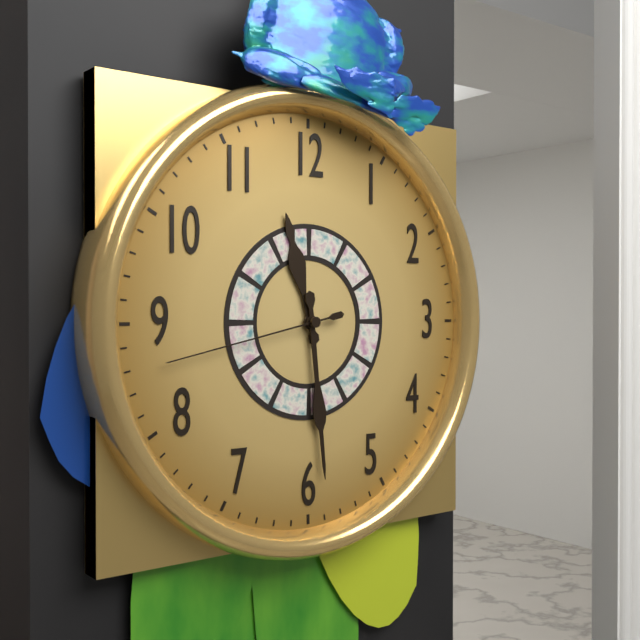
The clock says 11h29m43s
